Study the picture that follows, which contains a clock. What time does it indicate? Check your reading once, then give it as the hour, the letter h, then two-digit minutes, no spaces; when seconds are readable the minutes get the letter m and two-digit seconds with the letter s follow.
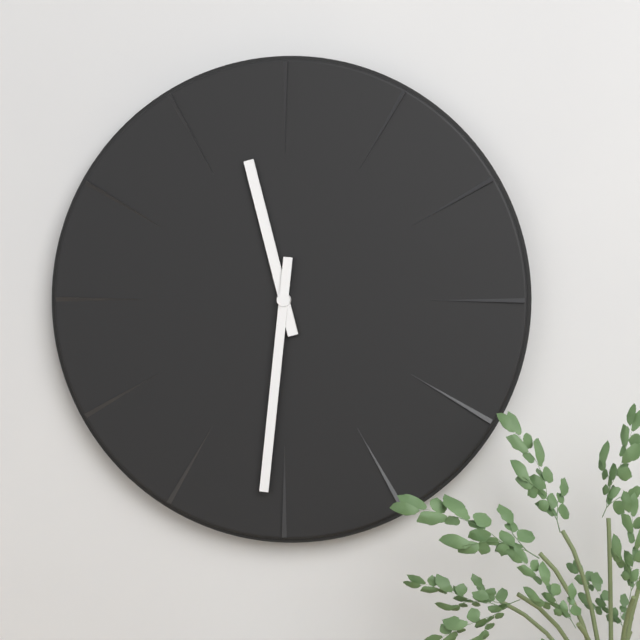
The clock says 11h31
